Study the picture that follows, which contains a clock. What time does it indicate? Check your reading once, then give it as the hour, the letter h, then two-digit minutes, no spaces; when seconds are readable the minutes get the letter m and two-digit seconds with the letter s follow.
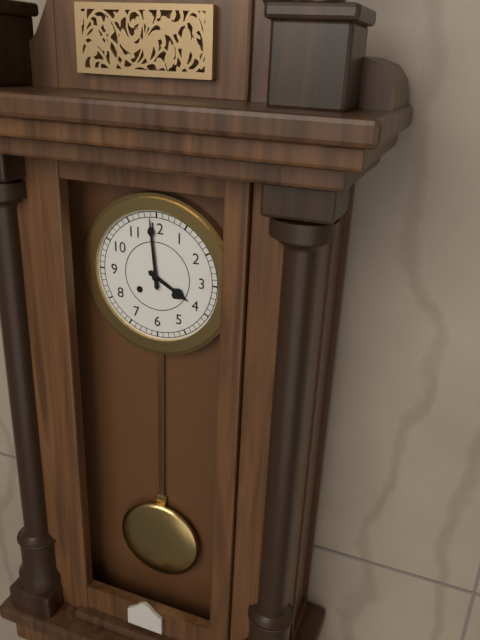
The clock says 3h59
